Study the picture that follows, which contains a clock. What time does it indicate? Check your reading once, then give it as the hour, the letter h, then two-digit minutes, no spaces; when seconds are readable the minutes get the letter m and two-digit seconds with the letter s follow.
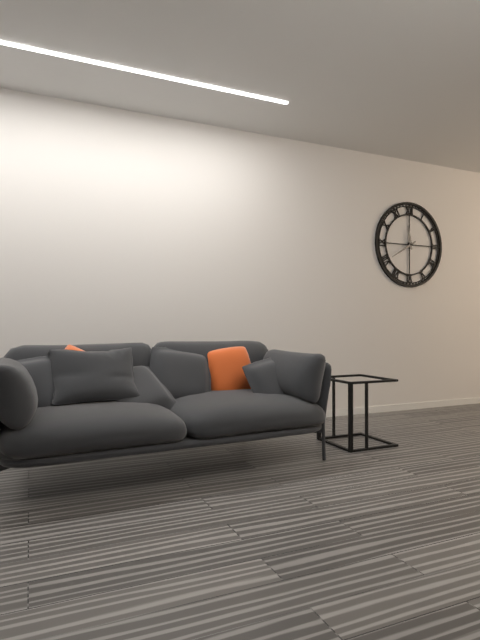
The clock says 11h40
